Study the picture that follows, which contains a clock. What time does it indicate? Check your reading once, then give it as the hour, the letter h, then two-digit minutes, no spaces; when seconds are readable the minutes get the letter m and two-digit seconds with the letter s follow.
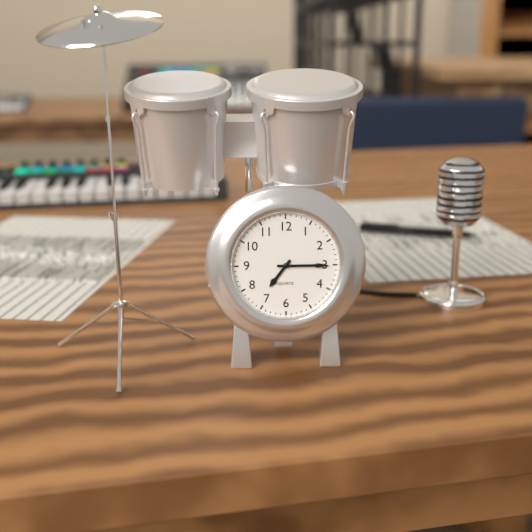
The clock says 7h15
